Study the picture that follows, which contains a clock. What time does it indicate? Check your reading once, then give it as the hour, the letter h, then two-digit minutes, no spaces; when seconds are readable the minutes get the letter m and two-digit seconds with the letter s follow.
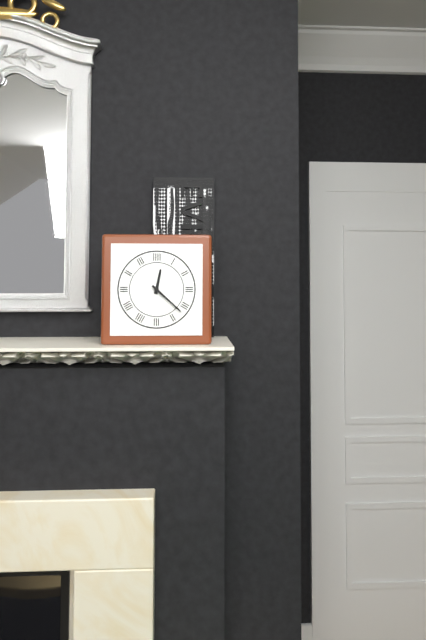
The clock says 12h22
